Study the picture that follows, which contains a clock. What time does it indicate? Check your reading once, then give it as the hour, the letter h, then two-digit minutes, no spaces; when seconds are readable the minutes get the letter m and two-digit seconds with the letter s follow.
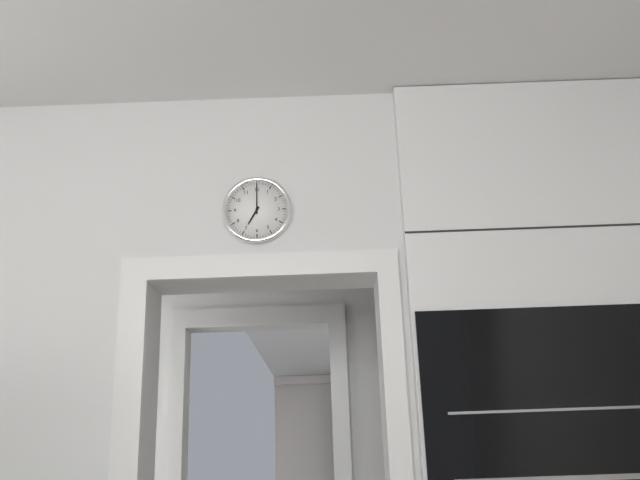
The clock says 7h00
